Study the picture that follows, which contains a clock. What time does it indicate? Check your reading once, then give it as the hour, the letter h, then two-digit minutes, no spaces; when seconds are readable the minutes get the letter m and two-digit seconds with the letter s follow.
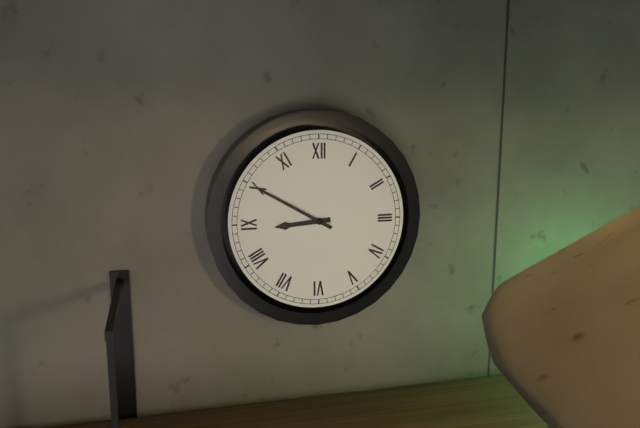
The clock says 8h50
